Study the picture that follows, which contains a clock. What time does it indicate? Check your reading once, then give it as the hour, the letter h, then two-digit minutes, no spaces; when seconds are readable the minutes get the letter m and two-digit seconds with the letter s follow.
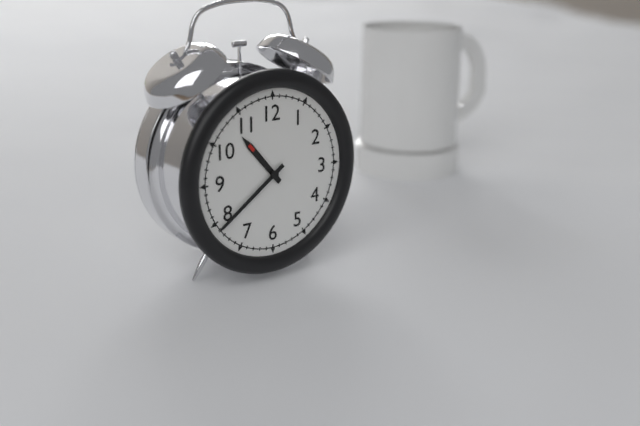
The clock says 10h39
